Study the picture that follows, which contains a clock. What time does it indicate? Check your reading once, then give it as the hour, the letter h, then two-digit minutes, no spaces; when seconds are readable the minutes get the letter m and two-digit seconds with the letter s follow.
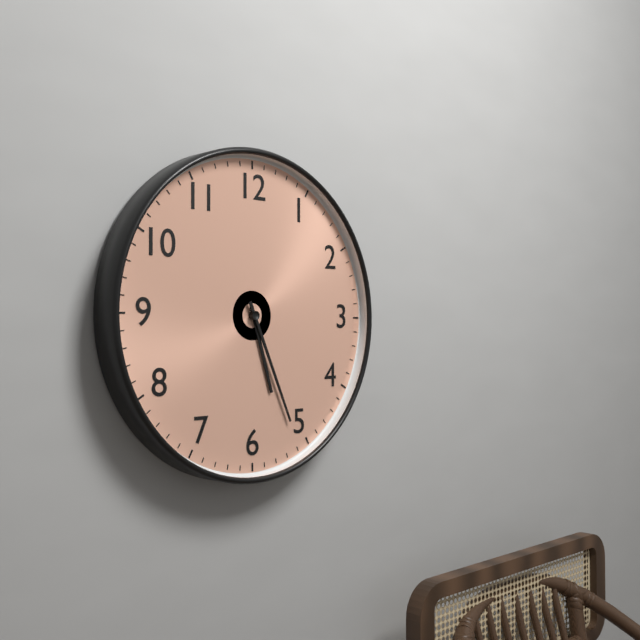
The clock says 5h26
